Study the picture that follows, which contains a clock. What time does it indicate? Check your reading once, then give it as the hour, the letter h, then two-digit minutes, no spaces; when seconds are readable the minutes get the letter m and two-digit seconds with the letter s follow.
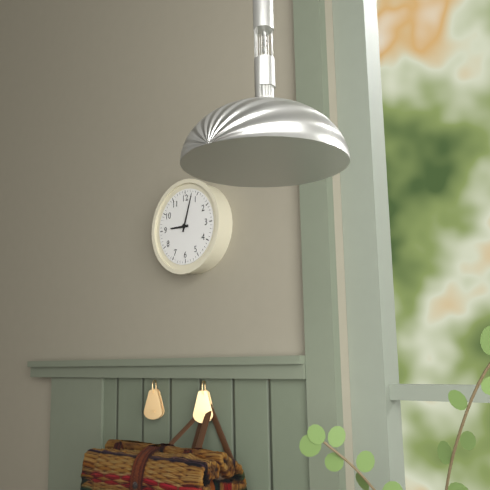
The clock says 9h03
